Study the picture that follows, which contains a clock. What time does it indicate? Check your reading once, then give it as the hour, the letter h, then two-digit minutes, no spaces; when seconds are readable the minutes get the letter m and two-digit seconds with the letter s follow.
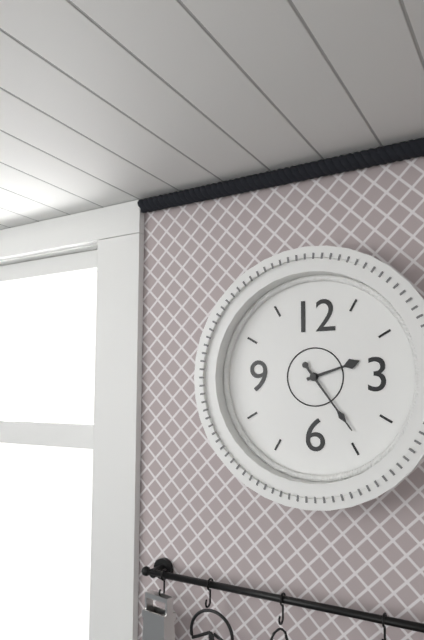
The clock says 2h24
